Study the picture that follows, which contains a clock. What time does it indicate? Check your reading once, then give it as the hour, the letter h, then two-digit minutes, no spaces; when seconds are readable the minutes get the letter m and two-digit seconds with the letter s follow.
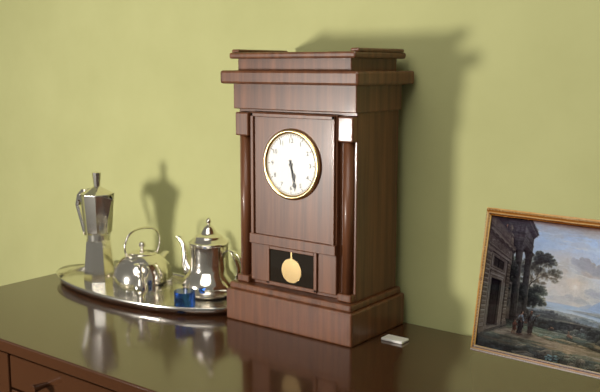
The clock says 5h28
